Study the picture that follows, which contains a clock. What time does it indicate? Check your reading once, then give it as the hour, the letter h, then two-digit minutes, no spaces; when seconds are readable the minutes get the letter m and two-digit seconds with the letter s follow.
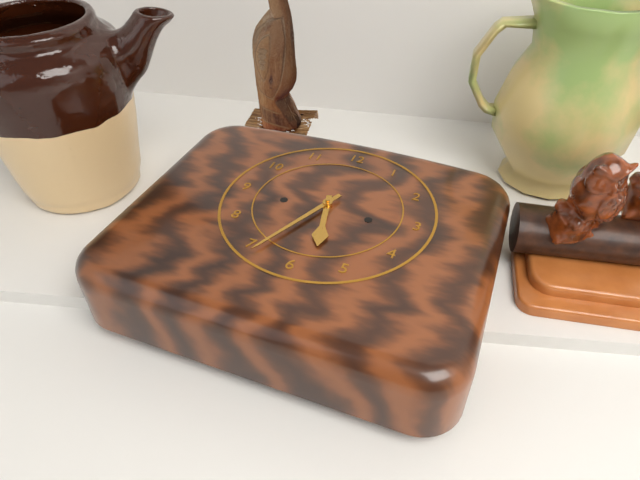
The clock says 5h34
